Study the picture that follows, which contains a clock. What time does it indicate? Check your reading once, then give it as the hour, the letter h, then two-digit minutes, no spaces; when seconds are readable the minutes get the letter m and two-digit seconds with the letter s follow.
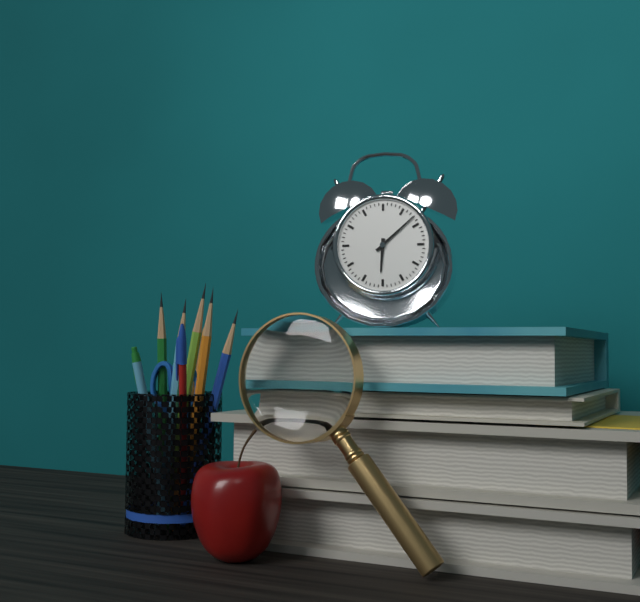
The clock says 6h08
